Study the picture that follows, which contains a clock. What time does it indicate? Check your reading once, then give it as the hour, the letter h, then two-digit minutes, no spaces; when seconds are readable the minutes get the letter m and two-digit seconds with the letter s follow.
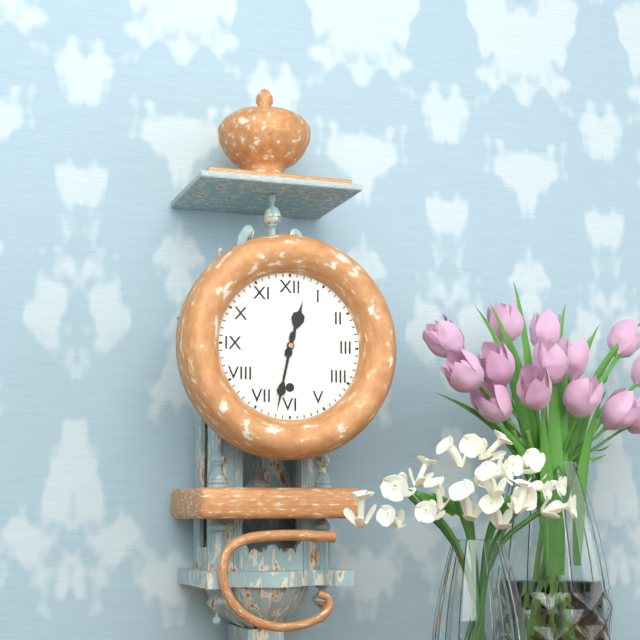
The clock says 12h32
